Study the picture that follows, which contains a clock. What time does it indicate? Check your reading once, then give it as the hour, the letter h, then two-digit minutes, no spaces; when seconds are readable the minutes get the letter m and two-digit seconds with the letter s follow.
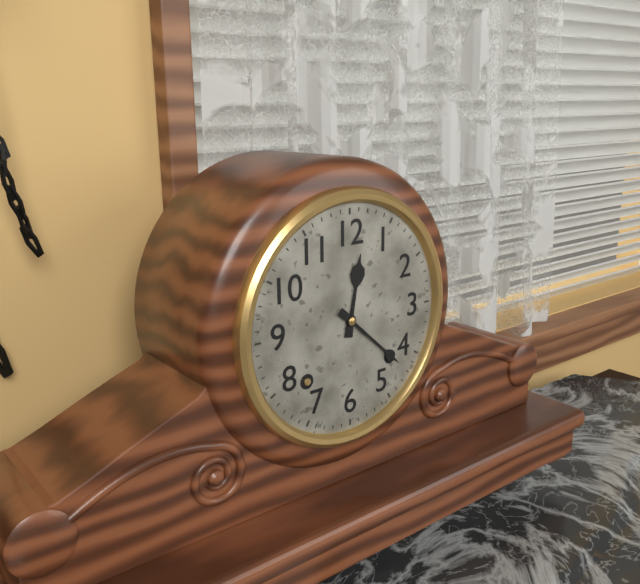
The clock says 12h22
